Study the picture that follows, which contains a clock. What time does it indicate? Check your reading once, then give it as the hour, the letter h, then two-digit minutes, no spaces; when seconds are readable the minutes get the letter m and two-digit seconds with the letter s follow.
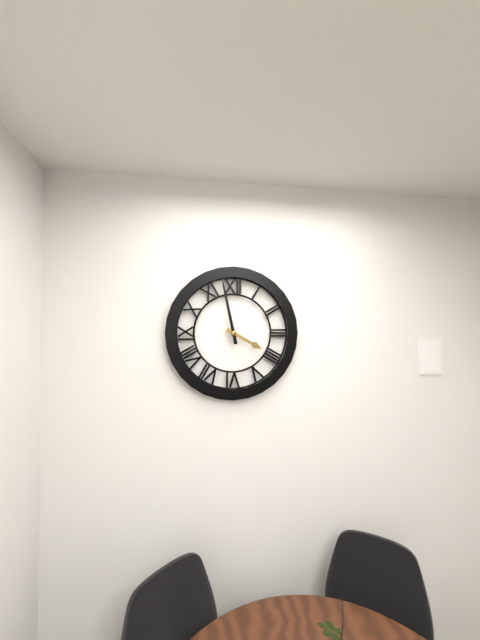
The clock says 3h58
